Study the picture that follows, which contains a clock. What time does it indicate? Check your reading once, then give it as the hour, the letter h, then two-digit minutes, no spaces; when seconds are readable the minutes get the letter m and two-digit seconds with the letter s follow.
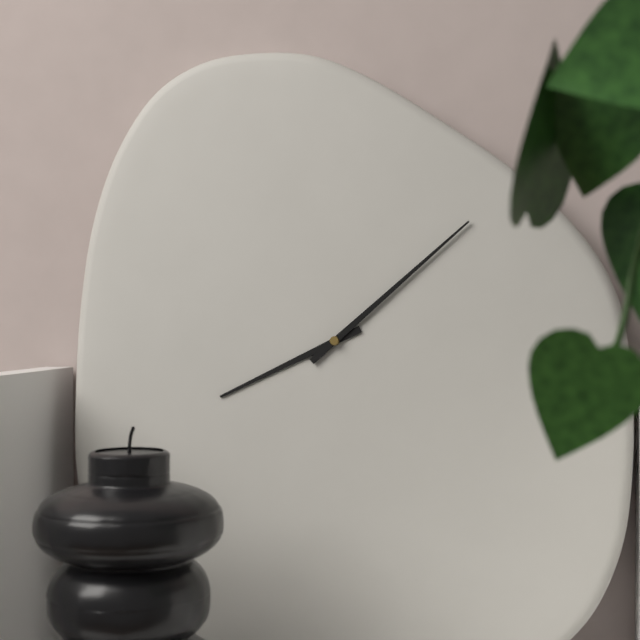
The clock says 8h08
